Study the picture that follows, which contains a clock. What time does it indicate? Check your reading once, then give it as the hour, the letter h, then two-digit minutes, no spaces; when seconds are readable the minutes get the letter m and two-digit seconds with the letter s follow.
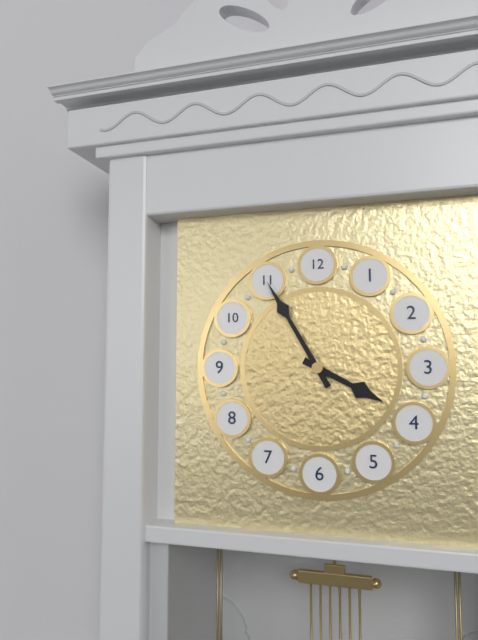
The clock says 3h55
